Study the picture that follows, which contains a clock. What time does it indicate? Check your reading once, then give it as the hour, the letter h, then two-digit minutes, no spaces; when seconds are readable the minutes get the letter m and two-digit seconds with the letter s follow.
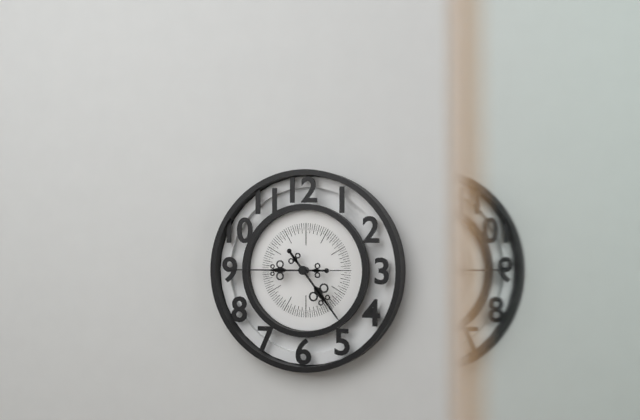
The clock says 4h45
